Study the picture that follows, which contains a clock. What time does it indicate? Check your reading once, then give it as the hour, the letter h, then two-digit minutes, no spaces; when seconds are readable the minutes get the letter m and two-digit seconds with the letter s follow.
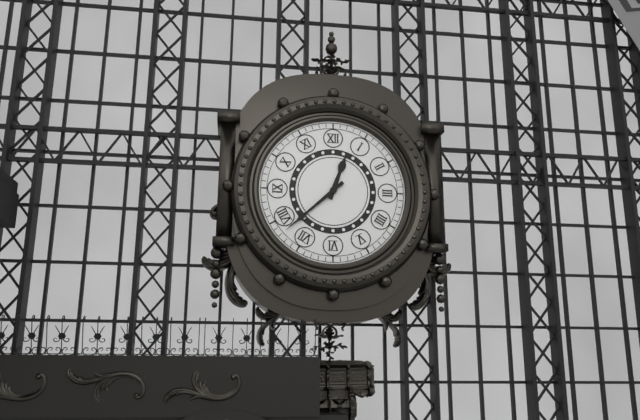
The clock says 12h38
